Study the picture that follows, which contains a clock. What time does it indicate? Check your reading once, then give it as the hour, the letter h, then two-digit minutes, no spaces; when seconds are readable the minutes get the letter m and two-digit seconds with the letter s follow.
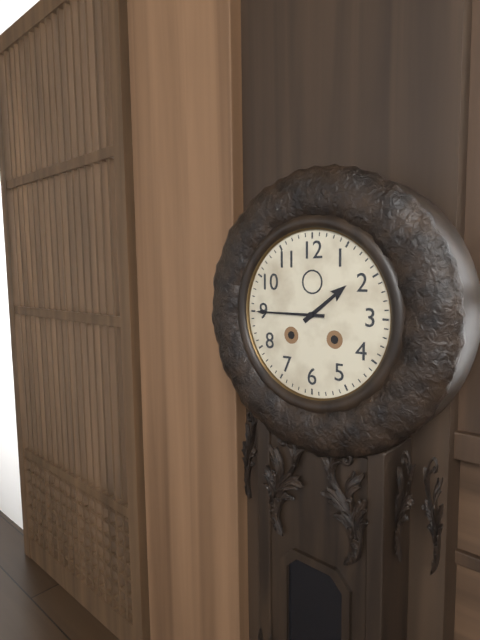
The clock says 1h45
